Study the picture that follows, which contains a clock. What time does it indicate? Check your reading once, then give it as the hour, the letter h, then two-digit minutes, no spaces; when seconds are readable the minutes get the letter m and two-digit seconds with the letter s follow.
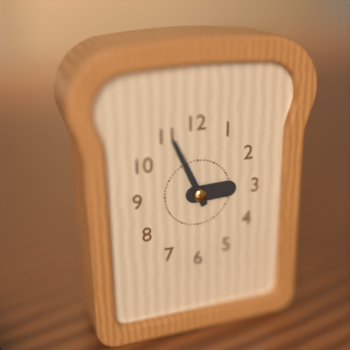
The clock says 2h56
